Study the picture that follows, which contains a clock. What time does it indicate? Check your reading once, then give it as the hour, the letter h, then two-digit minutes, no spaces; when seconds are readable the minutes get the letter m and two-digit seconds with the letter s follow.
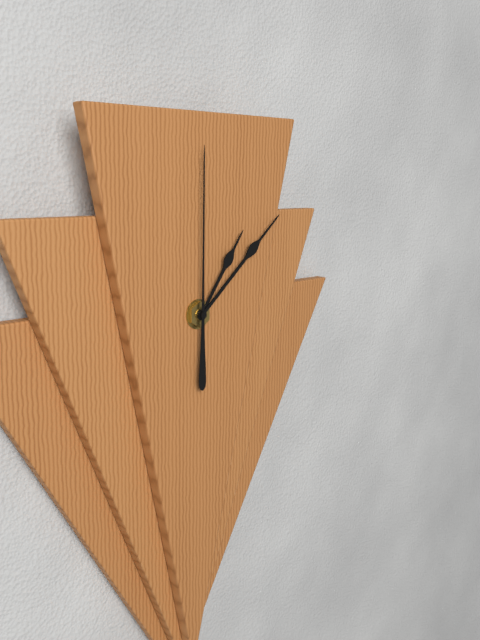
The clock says 1h08m00s
